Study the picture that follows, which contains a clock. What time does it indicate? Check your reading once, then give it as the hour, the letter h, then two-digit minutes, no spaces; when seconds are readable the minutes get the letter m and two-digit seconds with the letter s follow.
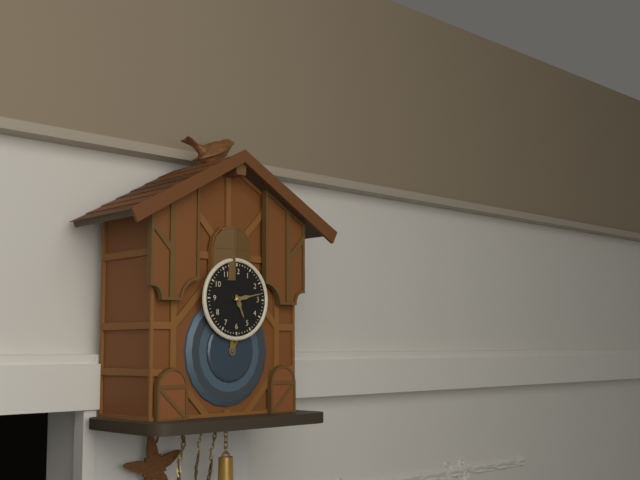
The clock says 5h13
